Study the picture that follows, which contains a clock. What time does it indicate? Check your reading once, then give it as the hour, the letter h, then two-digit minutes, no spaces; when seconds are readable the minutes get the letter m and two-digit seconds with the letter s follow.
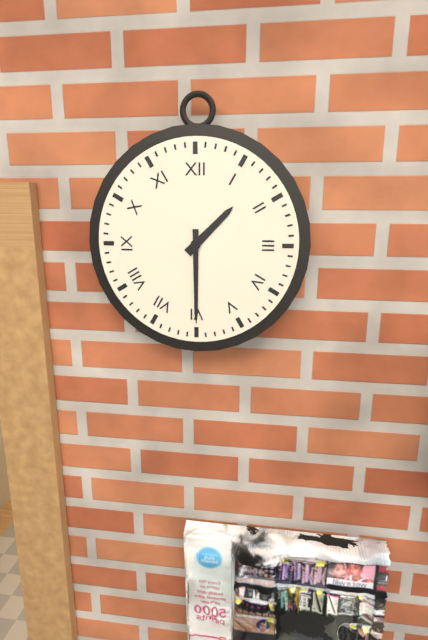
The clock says 1h30
